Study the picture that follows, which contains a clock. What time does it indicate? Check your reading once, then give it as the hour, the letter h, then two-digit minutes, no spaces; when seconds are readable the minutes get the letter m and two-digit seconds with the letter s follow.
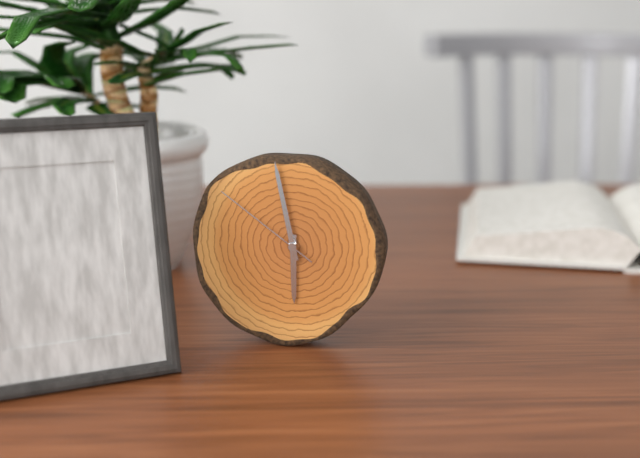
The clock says 5h58m51s
